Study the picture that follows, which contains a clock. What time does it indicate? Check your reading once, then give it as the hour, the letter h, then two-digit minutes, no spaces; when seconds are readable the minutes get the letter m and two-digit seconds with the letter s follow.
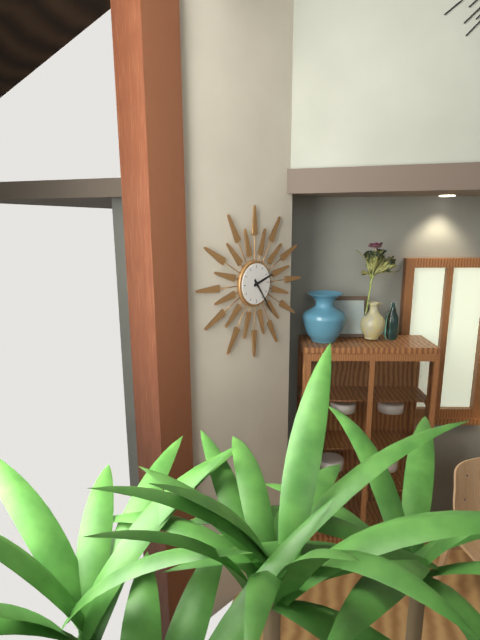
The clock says 2h24
